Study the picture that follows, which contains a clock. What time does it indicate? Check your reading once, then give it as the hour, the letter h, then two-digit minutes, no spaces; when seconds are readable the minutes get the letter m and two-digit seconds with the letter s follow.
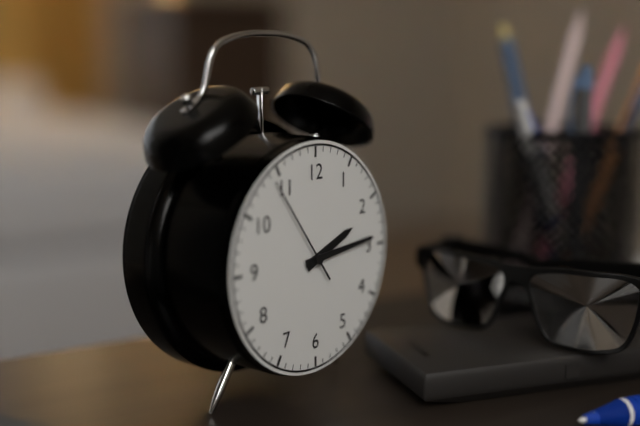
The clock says 2h14m54s
